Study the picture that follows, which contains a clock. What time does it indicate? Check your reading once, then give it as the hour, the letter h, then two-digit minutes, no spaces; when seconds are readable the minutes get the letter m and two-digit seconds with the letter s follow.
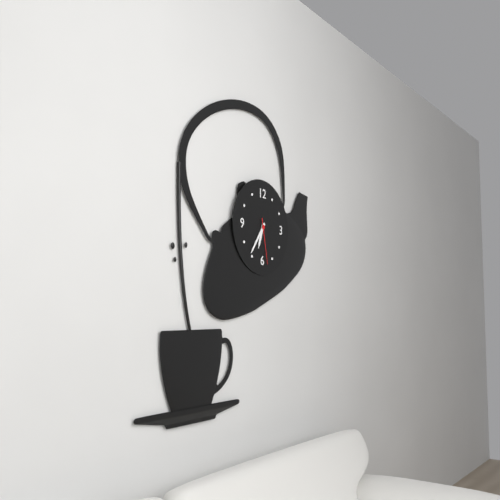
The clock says 6h36
